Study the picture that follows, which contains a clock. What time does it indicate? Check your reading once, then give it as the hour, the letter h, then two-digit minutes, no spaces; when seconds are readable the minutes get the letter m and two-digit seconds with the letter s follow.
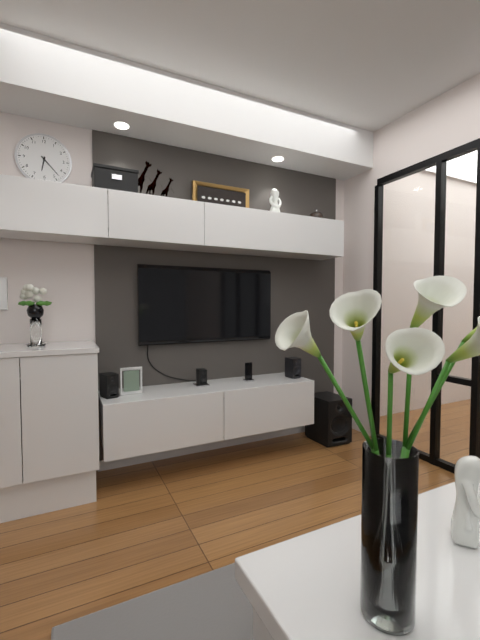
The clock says 6h23
